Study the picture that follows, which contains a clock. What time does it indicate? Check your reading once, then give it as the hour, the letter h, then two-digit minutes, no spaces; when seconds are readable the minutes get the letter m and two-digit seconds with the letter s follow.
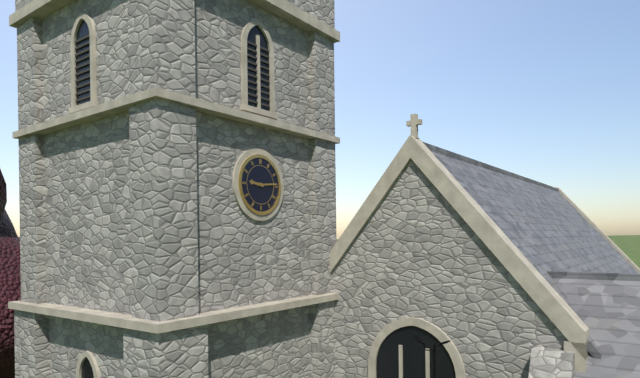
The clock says 9h14
